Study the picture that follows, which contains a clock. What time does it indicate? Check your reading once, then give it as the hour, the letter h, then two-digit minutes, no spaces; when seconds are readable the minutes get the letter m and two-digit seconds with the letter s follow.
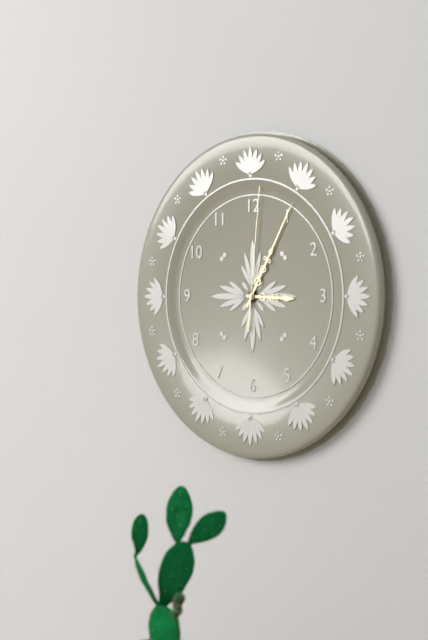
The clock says 3h05m01s
